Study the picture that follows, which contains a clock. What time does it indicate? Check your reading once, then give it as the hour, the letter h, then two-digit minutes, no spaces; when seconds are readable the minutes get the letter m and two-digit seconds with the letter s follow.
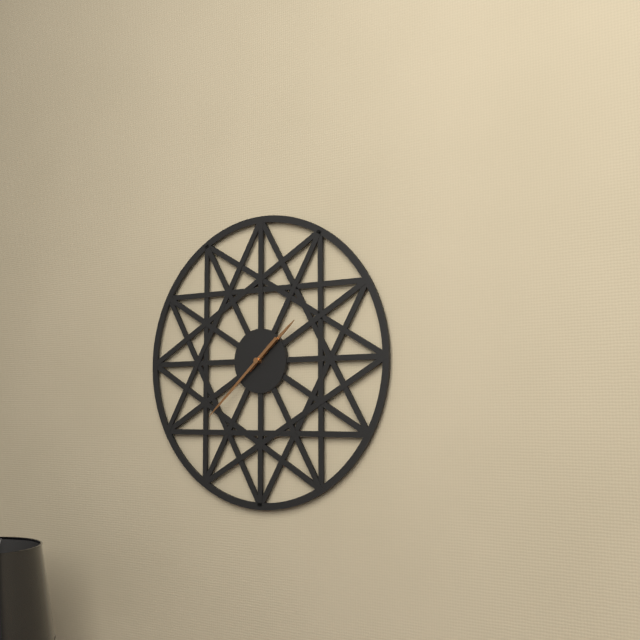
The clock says 1h38
